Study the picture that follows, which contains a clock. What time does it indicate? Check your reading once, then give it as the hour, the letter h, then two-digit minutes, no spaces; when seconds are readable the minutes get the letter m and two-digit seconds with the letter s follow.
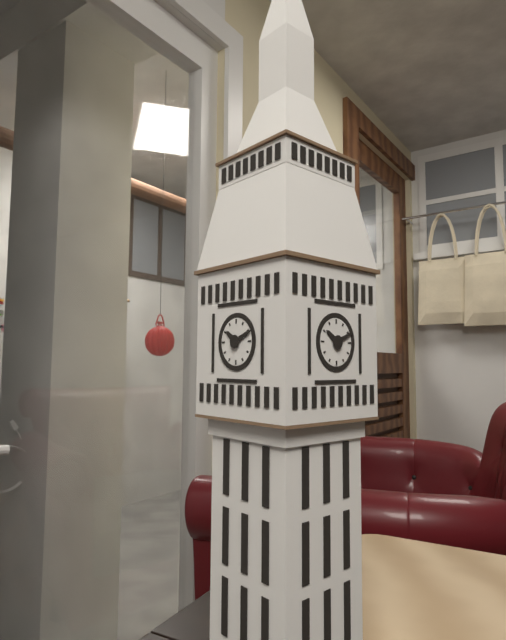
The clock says 10h11
